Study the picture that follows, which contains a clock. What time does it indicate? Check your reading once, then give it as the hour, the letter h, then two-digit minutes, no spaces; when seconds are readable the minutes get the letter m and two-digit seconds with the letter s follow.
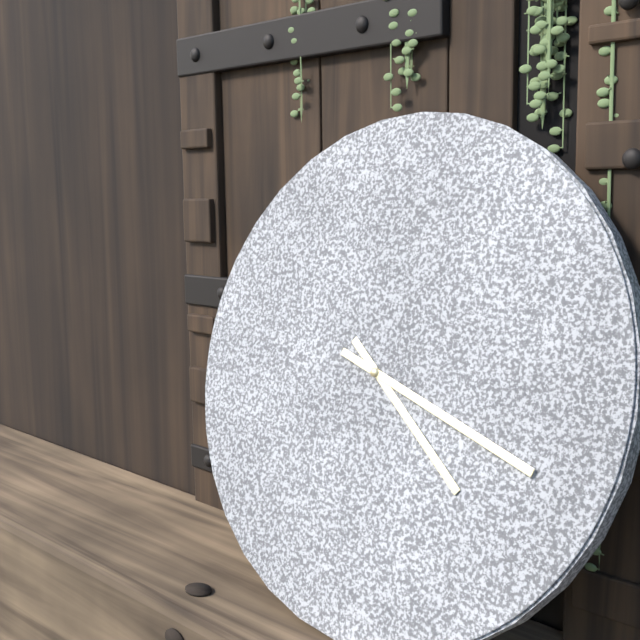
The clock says 4h18
